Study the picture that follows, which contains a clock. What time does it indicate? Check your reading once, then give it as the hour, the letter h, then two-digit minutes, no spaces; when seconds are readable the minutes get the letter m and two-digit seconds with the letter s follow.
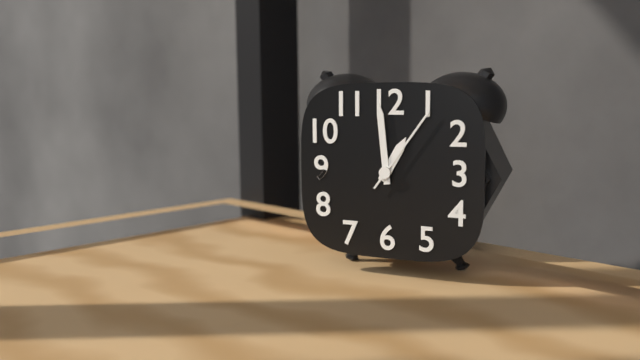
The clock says 12h59m06s
